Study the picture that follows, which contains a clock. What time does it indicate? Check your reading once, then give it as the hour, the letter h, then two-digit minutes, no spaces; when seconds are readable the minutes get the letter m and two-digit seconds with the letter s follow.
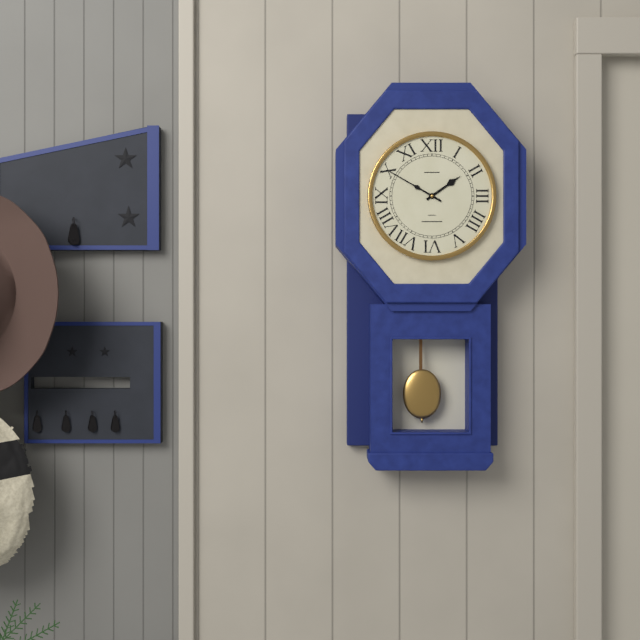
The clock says 1h50
